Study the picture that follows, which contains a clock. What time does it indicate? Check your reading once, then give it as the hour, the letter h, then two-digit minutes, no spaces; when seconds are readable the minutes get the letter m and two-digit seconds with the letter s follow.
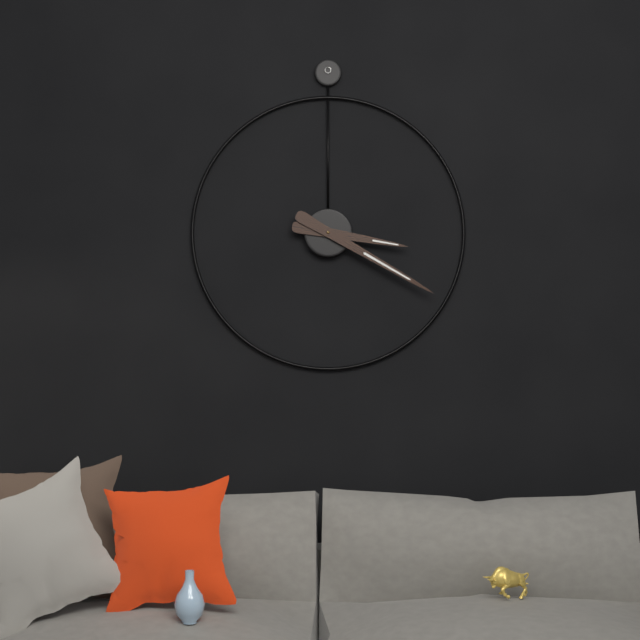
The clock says 3h20
